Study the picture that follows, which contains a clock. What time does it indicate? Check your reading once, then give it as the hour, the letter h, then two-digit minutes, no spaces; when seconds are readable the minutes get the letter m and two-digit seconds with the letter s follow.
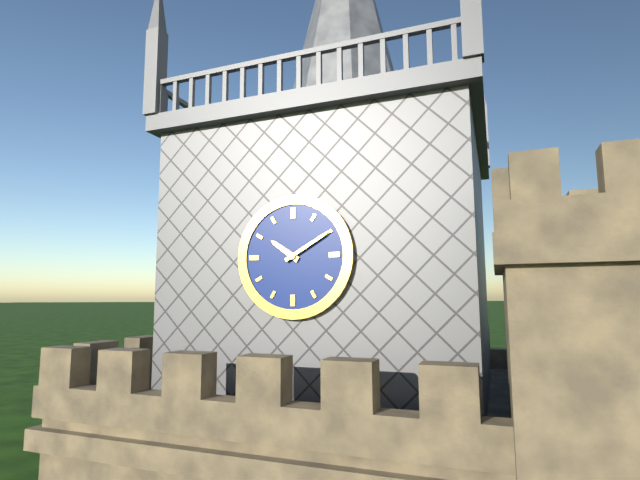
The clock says 10h10
